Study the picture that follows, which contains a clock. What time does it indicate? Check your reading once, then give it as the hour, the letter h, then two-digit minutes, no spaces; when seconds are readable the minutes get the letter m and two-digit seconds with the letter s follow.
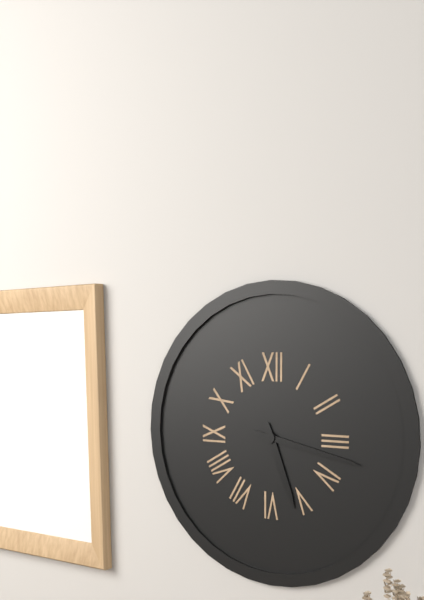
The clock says 5h17
